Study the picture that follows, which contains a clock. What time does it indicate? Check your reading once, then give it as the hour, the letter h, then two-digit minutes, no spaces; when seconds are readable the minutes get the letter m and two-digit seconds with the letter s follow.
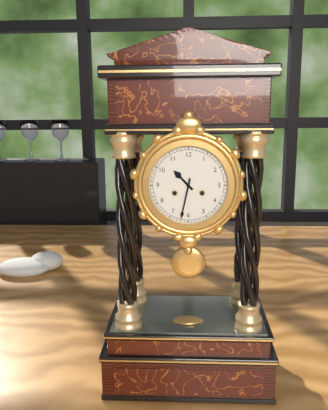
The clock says 10h32
